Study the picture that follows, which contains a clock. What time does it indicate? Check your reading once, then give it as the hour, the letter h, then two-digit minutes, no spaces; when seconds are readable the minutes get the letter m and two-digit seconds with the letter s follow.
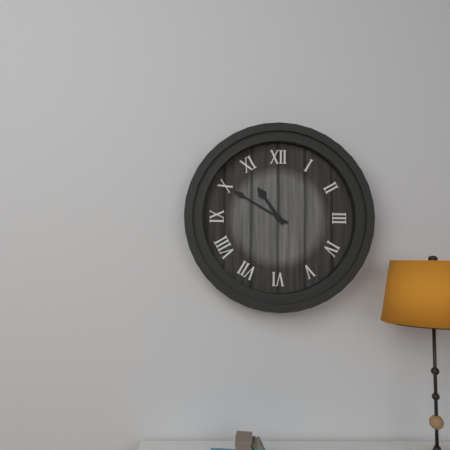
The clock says 10h50
